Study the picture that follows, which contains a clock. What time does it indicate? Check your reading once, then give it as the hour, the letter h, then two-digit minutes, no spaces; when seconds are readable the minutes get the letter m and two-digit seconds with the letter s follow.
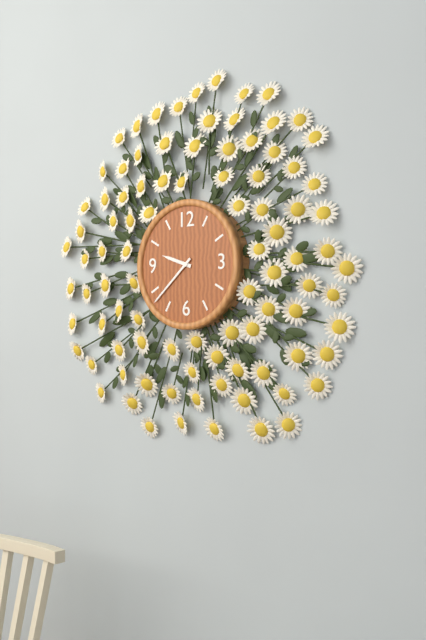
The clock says 9h38
